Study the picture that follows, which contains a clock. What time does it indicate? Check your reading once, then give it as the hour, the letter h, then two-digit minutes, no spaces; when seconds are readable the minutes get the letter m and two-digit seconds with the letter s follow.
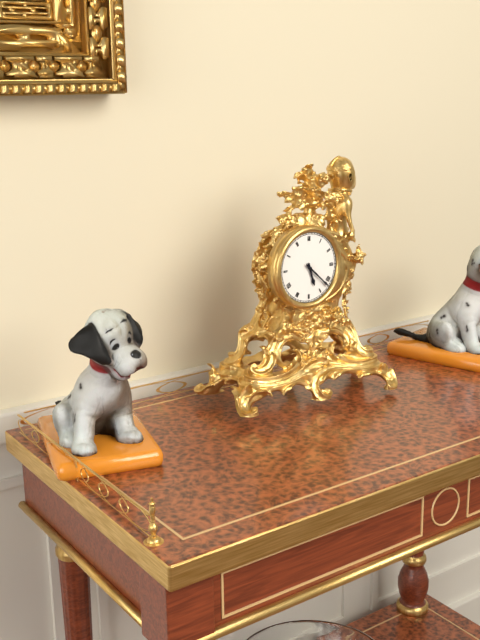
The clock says 5h22
